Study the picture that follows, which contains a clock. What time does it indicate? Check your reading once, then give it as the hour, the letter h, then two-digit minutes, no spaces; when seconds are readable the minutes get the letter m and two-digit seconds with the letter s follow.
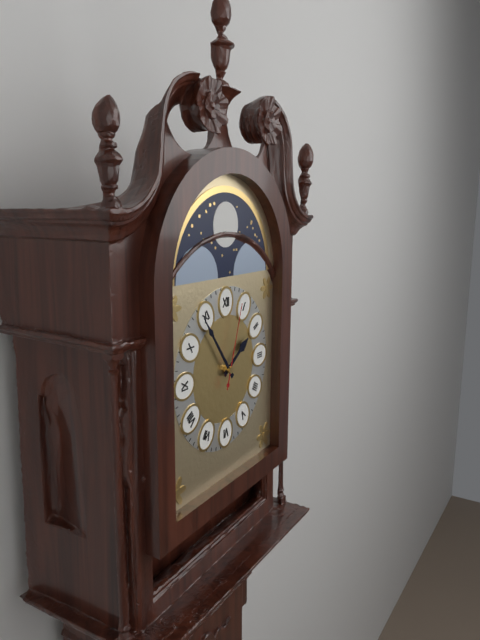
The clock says 1h54m03s
